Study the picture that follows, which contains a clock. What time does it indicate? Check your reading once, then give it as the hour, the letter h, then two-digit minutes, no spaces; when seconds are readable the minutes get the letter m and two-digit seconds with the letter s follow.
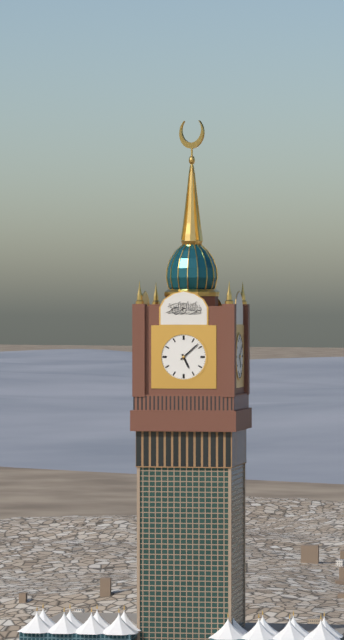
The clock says 5h08
